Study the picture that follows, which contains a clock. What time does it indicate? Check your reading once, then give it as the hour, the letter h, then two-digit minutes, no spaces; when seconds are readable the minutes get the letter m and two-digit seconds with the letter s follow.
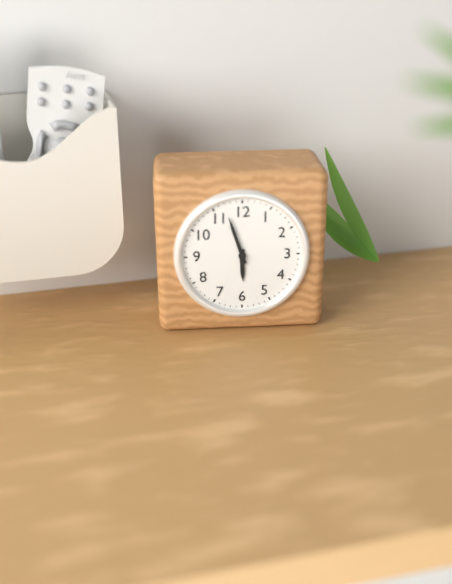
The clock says 5h57
